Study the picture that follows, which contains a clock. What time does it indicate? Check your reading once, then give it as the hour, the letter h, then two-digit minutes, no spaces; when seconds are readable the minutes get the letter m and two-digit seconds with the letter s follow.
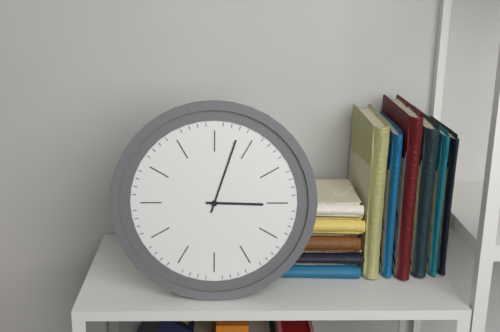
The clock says 3h03
